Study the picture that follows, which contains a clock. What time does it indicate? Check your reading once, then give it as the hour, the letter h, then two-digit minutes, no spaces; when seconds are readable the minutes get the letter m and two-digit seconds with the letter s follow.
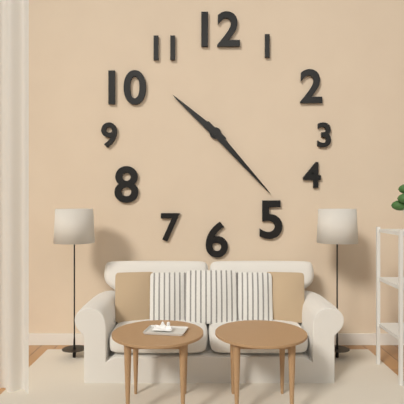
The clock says 10h23
